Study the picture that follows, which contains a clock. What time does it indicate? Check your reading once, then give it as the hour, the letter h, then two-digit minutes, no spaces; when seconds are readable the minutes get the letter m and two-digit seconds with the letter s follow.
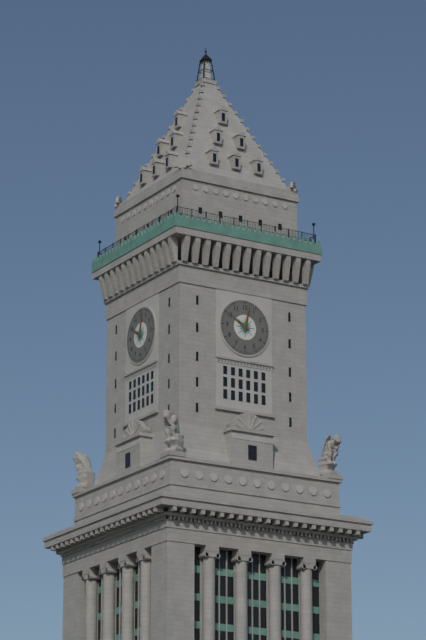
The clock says 10h02
